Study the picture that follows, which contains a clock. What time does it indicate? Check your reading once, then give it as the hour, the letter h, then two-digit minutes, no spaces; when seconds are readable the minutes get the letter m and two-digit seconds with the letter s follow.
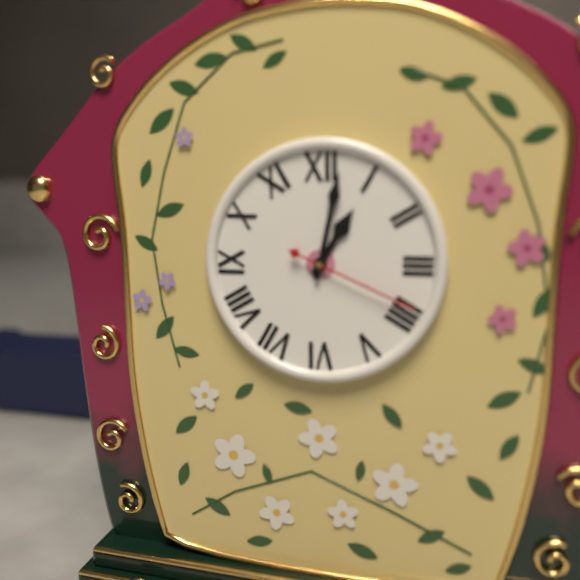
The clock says 1h02m19s
